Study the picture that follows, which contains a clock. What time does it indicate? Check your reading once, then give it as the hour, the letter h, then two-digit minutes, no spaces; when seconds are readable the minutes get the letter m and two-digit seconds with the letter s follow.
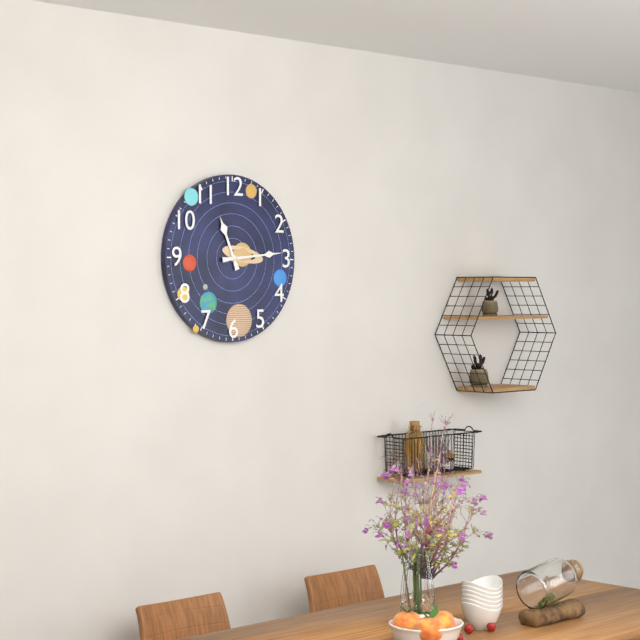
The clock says 11h14
